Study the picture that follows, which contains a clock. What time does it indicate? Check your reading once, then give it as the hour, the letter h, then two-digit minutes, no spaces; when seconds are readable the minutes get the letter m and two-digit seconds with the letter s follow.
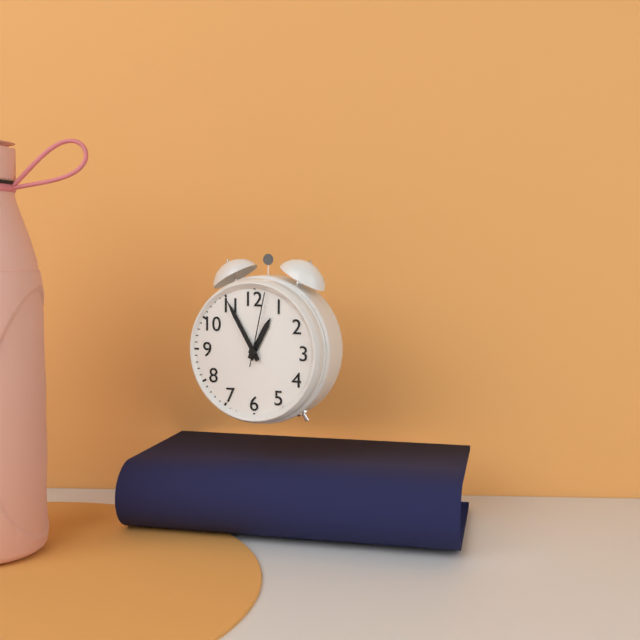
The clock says 12h55m02s
